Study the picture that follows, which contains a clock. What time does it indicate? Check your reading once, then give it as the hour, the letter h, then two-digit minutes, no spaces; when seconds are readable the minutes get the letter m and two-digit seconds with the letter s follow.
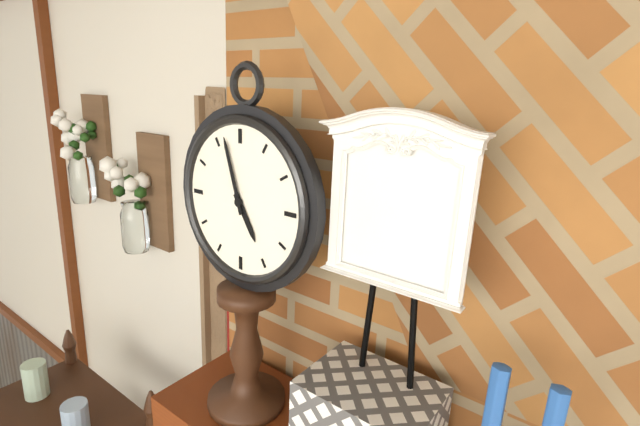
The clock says 4h57
